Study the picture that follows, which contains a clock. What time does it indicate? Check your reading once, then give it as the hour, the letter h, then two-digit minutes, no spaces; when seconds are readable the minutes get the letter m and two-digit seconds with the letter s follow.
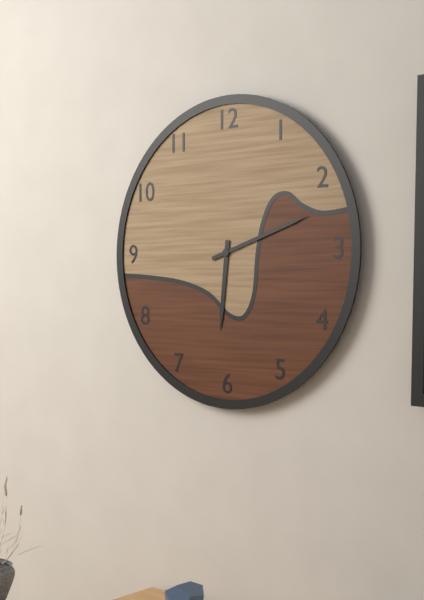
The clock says 6h12
